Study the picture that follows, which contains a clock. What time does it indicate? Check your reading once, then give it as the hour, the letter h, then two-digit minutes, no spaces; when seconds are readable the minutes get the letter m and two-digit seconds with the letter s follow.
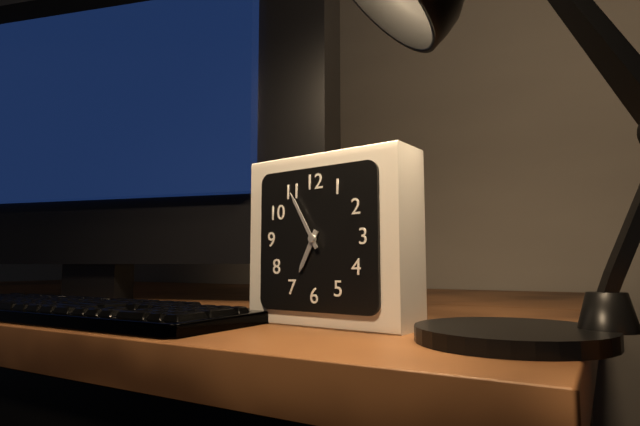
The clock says 6h55
